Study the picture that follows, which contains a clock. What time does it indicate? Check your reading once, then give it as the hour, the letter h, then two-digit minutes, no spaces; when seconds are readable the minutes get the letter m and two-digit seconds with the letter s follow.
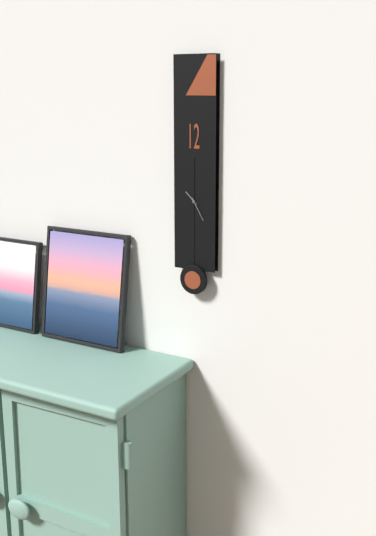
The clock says 10h25
